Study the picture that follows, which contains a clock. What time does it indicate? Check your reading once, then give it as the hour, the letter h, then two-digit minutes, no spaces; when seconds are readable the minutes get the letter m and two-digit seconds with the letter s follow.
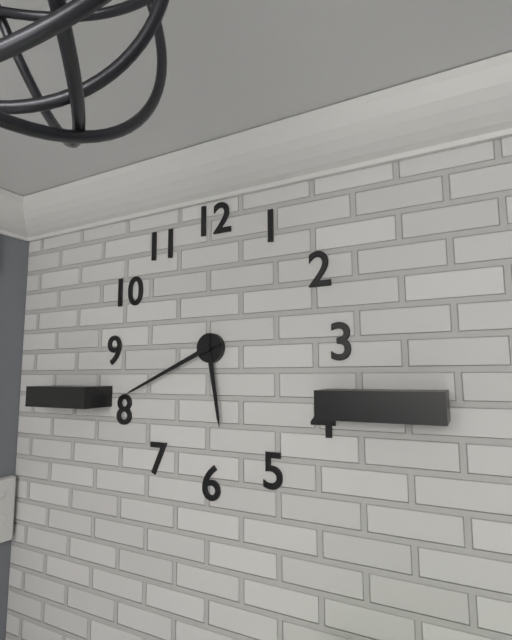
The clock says 5h41
